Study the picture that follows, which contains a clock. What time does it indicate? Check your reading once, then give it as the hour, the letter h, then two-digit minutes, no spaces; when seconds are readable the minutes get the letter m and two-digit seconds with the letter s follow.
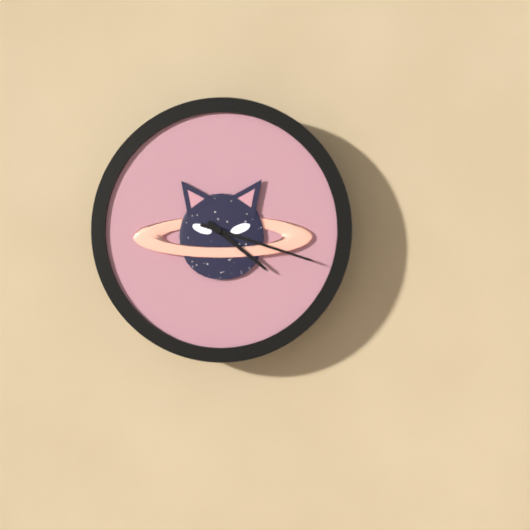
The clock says 4h18
